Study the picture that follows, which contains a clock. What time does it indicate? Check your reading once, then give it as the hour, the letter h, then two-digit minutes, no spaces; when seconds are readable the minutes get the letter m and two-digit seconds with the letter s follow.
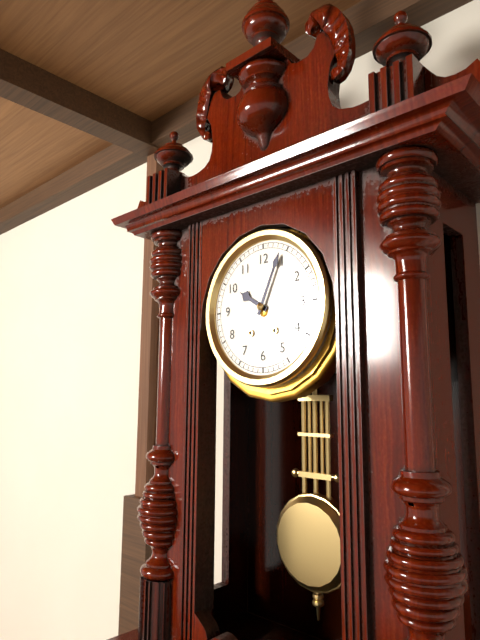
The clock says 10h04
